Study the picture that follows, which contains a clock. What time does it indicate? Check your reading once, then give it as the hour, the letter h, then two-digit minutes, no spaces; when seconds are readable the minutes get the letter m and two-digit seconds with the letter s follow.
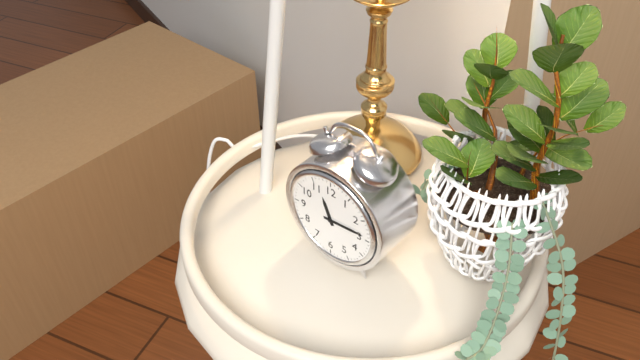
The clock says 11h14
